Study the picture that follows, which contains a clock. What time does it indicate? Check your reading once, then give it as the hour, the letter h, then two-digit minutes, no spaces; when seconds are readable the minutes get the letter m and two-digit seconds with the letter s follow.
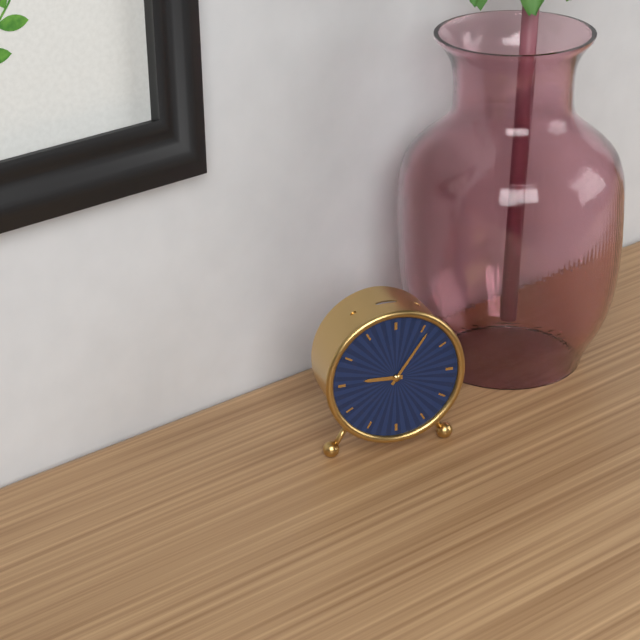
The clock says 9h06
